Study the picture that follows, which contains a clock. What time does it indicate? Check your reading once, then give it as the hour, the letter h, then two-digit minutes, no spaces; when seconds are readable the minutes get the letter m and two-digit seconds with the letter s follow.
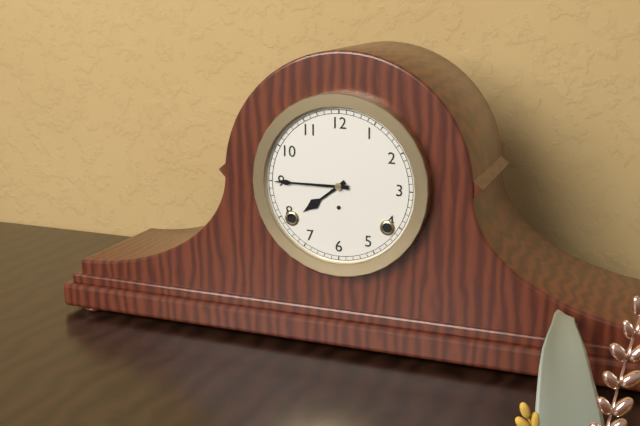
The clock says 7h45
